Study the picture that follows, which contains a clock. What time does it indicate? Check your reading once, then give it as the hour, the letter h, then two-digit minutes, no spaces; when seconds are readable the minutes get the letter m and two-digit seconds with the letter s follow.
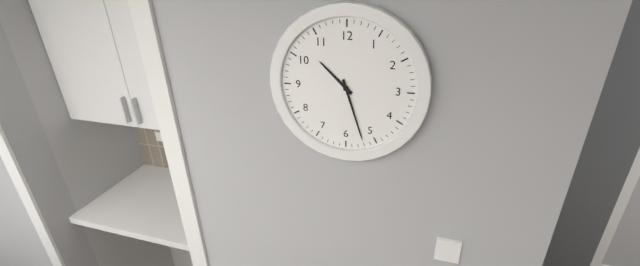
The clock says 10h27
